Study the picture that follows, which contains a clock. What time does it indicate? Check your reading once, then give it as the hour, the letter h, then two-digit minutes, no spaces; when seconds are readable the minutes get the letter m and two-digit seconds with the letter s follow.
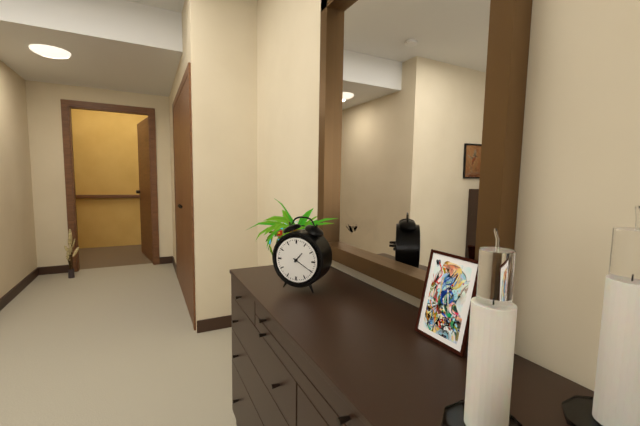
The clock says 1h20
